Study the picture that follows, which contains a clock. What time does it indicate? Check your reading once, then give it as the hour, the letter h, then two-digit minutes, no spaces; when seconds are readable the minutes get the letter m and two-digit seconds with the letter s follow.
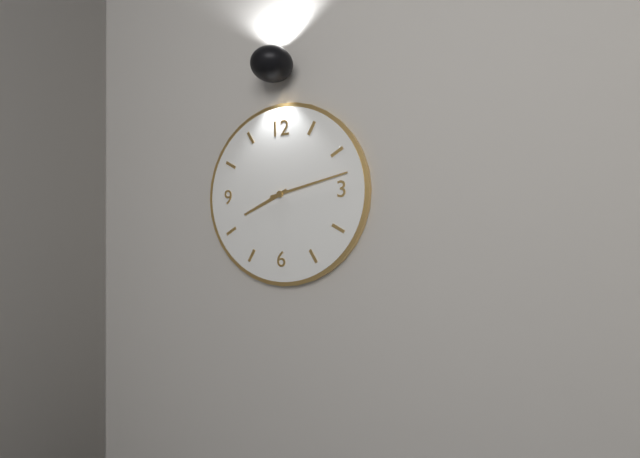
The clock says 8h13
